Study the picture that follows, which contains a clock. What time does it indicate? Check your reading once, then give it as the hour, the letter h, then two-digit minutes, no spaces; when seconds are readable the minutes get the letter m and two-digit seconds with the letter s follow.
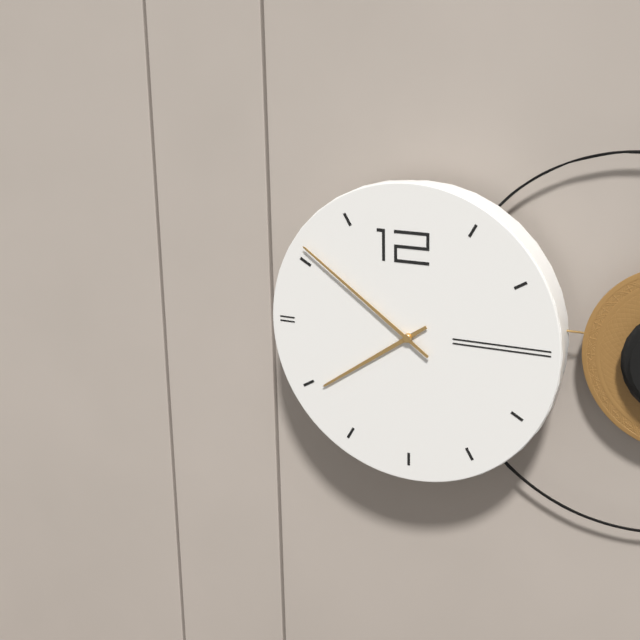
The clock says 7h51
